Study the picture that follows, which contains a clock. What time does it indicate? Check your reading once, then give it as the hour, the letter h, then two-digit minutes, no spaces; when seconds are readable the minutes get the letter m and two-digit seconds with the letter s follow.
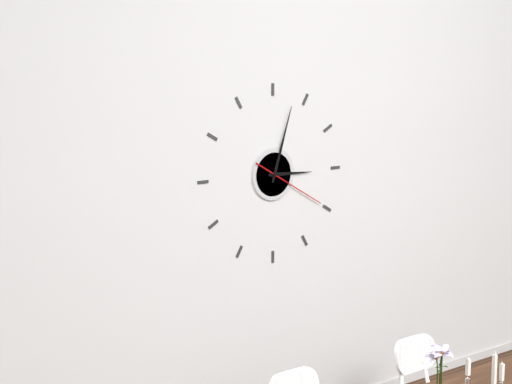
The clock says 3h03m20s
